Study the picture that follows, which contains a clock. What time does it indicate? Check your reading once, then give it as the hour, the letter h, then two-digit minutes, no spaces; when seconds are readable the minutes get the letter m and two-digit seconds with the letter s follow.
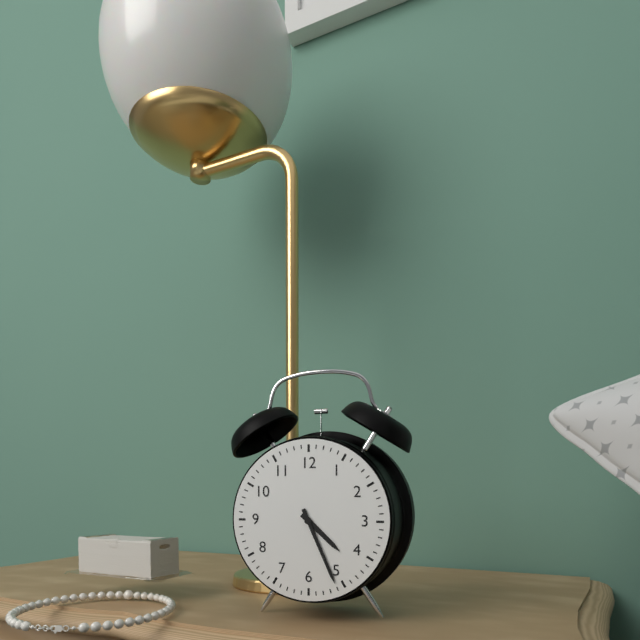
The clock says 4h26
